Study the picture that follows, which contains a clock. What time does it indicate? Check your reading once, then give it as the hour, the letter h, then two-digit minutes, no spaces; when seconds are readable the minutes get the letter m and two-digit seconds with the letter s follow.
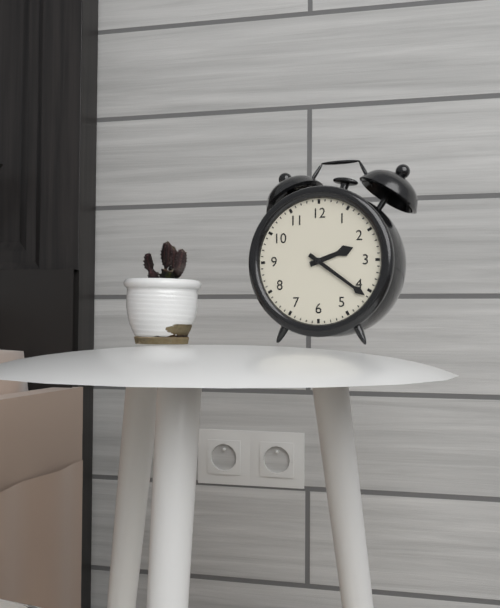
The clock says 2h21
